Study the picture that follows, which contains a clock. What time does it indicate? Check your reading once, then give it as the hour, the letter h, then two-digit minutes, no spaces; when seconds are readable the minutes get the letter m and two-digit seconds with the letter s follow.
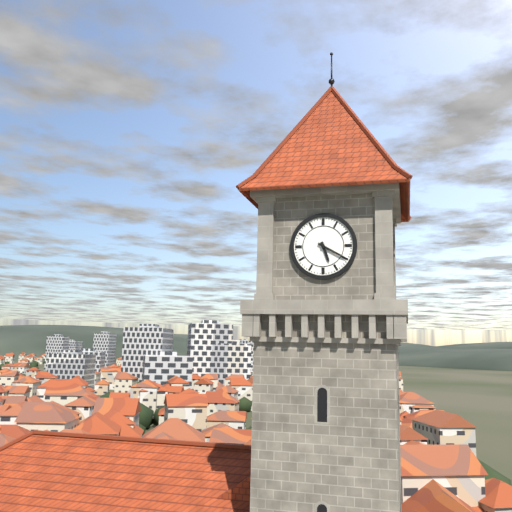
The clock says 5h20
